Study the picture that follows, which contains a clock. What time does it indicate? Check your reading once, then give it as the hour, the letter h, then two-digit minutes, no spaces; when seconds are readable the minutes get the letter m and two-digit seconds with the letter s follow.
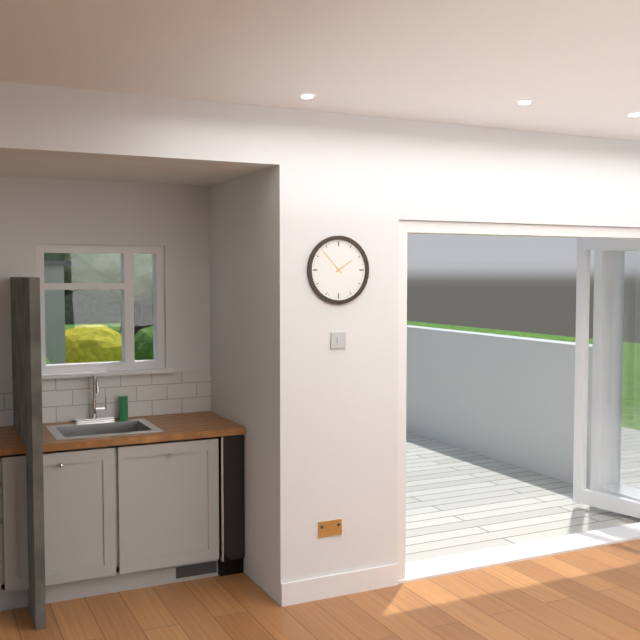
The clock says 1h53
